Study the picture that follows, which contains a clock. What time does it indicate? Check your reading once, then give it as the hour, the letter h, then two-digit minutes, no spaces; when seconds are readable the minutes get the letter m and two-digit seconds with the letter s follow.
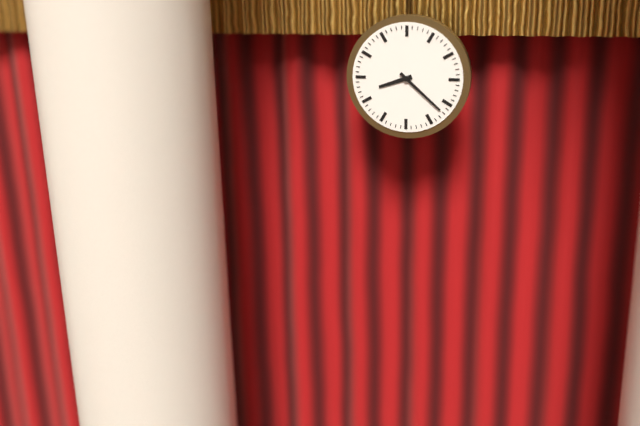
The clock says 8h22
